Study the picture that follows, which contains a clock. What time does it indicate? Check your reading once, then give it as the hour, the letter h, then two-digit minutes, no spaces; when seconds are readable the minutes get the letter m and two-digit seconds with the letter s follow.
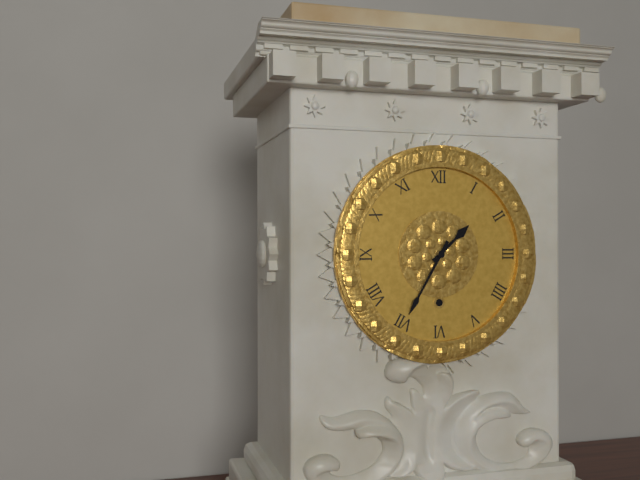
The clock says 1h35
